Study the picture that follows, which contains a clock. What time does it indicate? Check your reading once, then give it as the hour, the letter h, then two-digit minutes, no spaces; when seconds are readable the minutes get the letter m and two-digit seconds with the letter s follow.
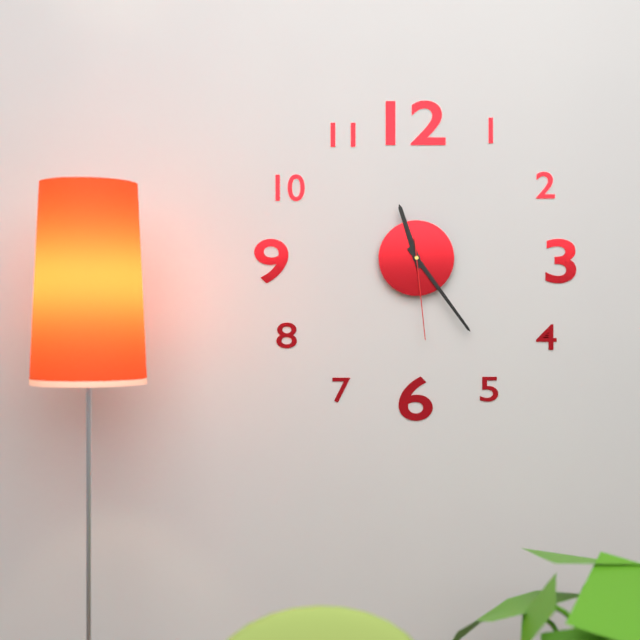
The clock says 11h24m29s
